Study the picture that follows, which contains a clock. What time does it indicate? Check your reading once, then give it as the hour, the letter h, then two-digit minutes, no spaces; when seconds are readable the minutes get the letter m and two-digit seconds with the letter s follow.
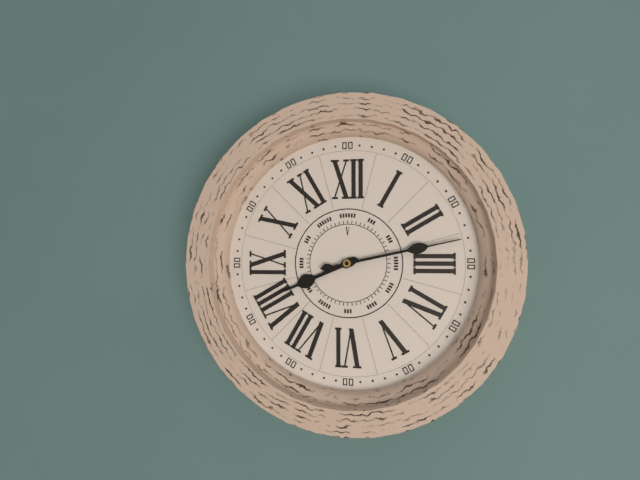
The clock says 8h13
